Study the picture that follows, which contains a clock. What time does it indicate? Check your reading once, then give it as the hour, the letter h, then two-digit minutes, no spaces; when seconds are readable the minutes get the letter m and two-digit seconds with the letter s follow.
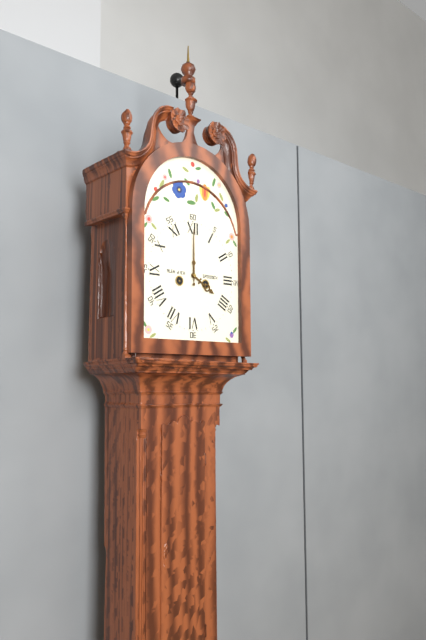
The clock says 4h00
